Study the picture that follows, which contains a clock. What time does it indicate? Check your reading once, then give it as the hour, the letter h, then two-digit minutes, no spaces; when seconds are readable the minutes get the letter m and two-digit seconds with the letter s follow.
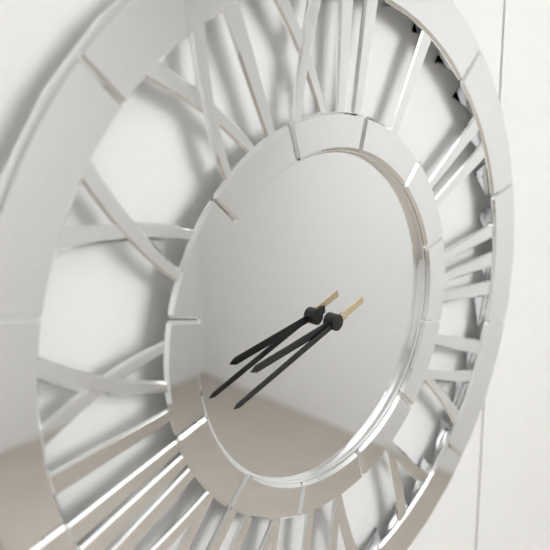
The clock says 8h42
